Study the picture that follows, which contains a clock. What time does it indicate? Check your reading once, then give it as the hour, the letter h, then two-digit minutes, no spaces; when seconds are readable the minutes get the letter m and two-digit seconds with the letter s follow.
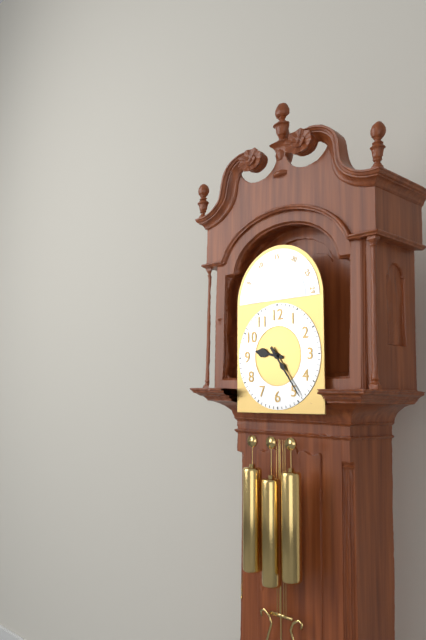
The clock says 9h24
